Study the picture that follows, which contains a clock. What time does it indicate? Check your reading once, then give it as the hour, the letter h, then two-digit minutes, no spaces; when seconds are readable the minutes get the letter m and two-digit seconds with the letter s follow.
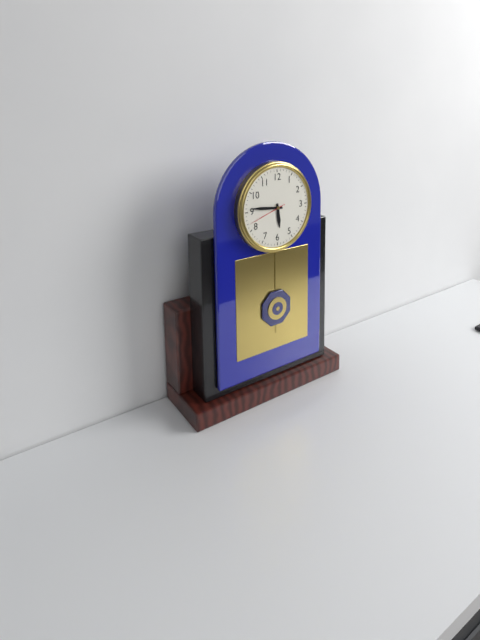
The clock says 5h46
